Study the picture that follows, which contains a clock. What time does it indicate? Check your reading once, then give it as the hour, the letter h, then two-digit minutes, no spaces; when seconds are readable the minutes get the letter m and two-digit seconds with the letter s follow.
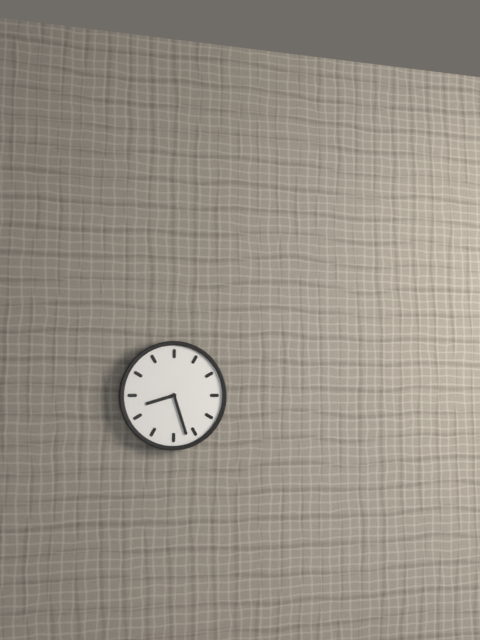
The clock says 8h27
